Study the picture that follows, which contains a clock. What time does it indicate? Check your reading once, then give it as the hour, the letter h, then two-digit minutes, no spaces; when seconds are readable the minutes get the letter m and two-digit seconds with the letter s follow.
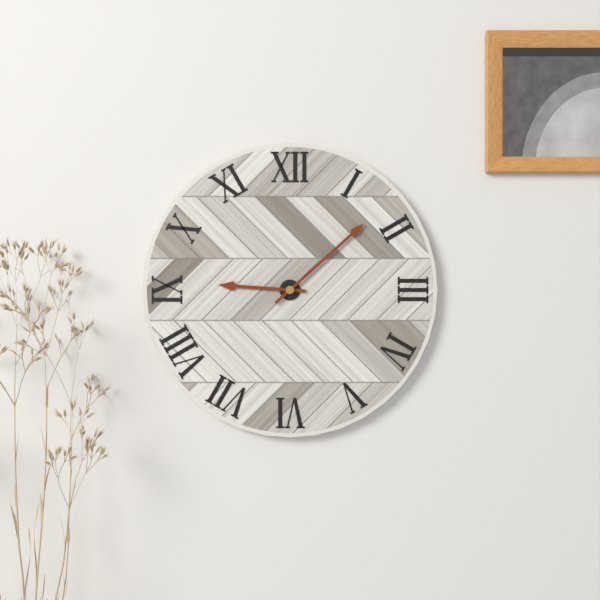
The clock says 9h08
